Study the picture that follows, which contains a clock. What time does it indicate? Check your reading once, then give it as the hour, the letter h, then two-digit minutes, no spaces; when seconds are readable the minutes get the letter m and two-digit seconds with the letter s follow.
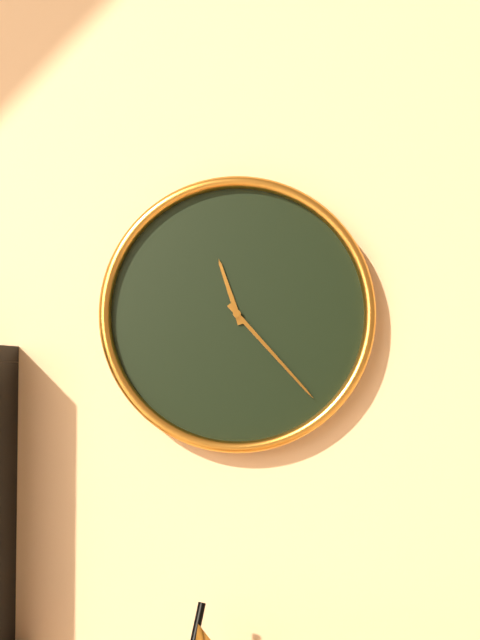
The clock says 11h23
